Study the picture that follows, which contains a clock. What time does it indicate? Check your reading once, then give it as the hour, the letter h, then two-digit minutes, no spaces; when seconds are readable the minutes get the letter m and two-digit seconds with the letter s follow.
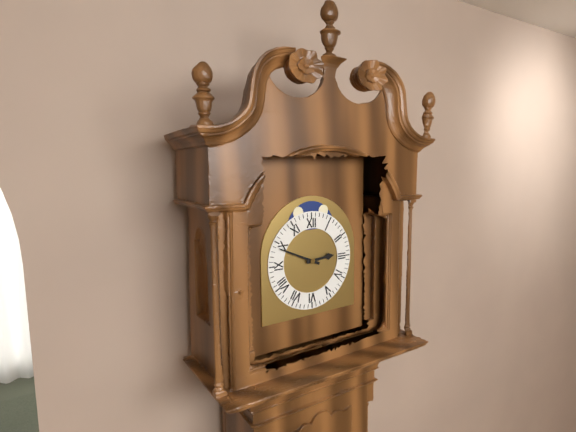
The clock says 2h49
